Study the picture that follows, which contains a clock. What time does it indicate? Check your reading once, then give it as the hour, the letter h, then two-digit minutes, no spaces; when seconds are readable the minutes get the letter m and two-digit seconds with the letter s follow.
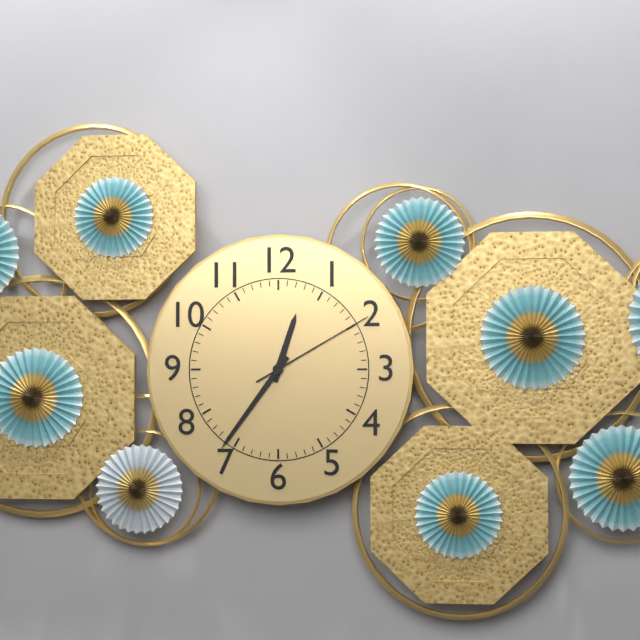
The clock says 12h36m10s
